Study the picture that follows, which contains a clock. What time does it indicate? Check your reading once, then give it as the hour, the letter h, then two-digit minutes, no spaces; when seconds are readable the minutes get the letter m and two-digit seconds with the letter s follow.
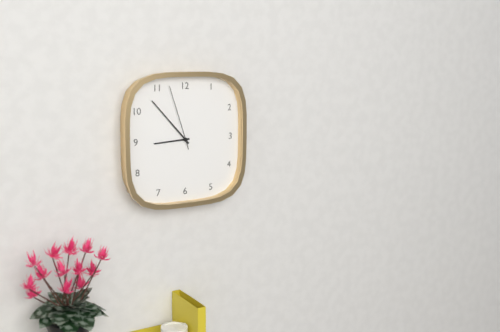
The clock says 8h53m57s
